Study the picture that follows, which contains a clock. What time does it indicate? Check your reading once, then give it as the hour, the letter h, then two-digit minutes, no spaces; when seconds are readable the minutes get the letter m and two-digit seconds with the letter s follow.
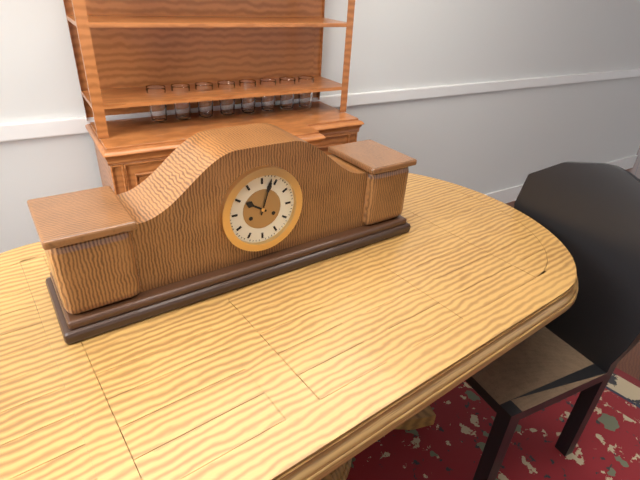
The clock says 10h03
